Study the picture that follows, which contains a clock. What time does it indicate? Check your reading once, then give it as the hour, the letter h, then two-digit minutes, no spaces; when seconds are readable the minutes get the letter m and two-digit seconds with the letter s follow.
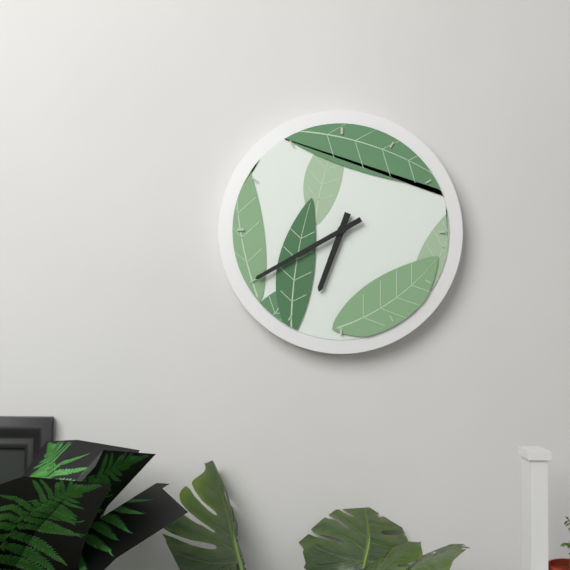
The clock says 6h40
